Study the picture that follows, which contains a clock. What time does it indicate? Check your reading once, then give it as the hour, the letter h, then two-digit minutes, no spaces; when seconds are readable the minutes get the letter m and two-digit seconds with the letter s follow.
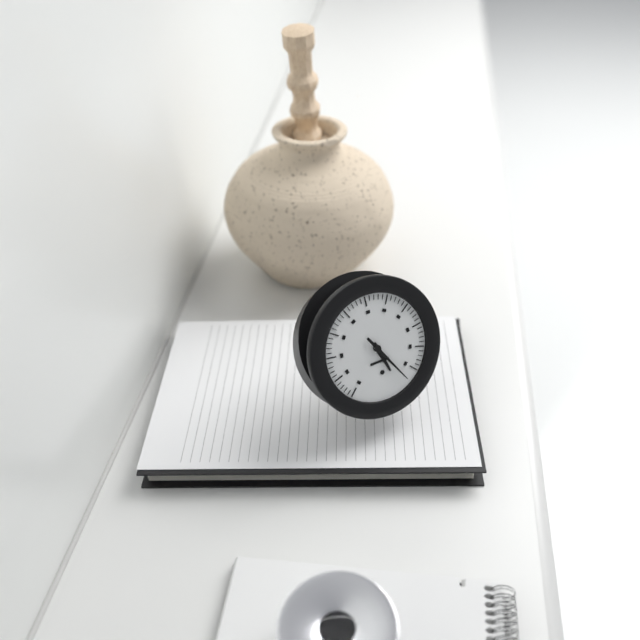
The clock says 5h25
